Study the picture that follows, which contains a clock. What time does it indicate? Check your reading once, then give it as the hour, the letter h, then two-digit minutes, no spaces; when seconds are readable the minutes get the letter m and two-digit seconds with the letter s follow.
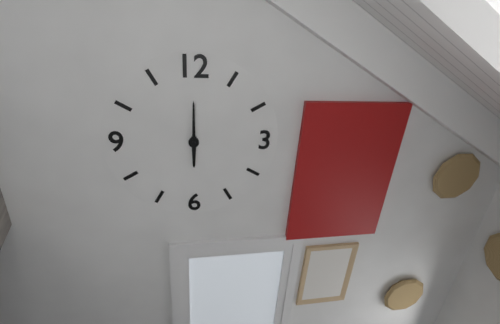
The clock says 6h00
